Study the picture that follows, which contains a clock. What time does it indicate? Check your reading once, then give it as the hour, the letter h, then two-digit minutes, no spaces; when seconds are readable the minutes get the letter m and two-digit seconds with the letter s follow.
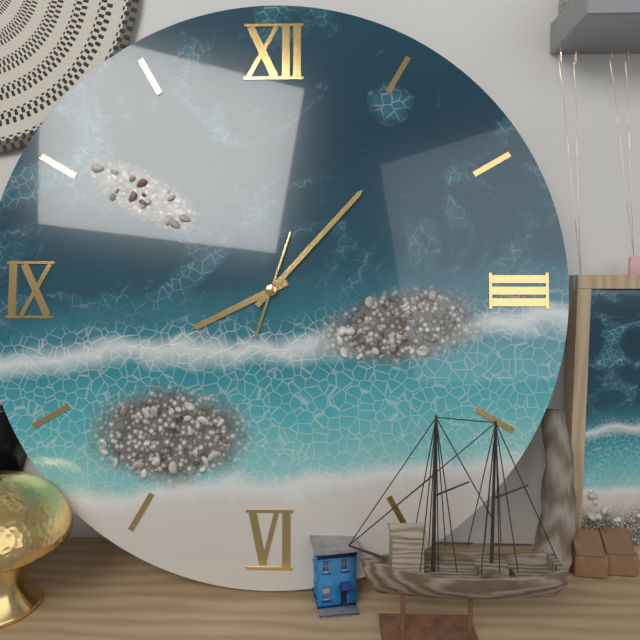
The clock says 8h07m03s
